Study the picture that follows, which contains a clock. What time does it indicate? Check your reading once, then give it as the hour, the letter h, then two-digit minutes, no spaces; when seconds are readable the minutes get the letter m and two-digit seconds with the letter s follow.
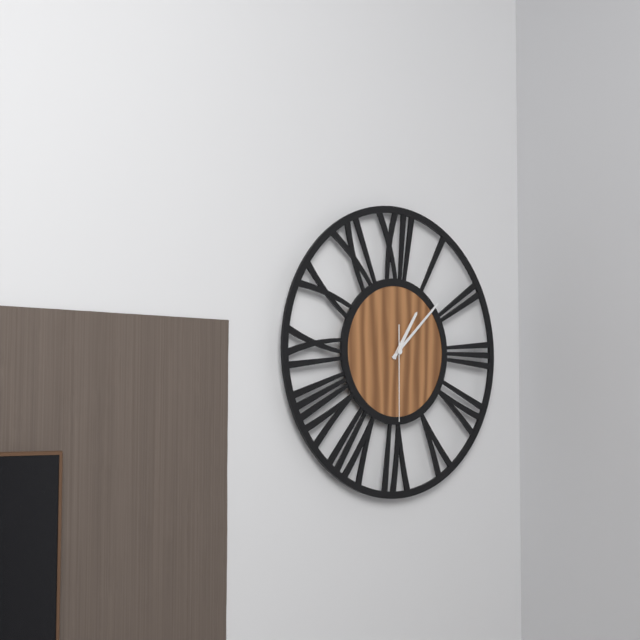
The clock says 1h08m30s
